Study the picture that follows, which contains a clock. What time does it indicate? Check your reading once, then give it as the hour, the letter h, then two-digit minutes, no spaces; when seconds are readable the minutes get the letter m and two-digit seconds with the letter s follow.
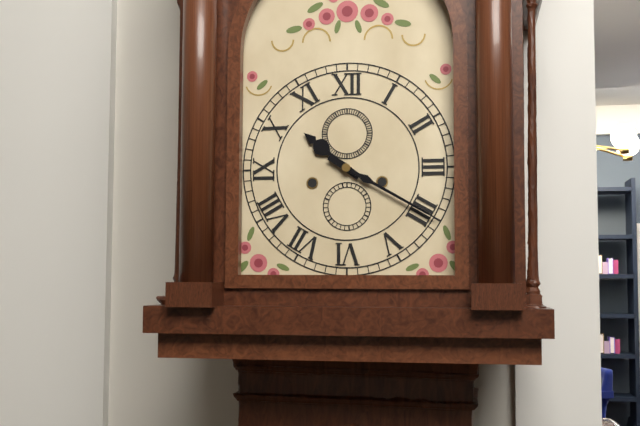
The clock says 10h20
